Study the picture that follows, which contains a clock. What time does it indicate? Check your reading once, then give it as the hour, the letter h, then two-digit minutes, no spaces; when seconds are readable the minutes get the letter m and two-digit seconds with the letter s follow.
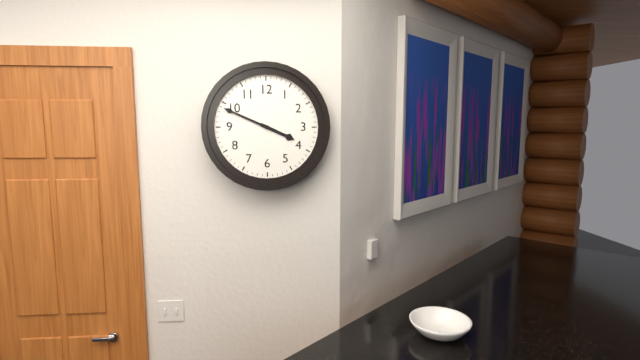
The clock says 3h49
